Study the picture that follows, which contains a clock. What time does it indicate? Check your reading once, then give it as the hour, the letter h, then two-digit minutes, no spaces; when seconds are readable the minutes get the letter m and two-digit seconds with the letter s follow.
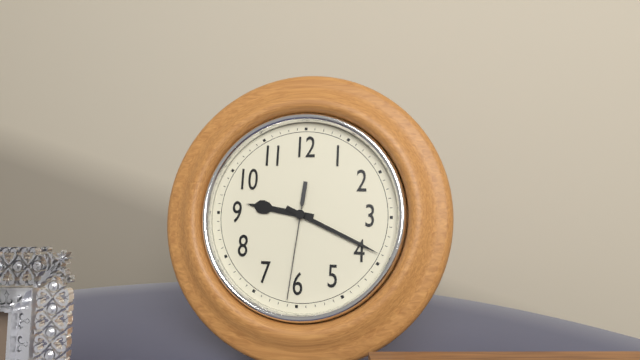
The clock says 9h19m31s
